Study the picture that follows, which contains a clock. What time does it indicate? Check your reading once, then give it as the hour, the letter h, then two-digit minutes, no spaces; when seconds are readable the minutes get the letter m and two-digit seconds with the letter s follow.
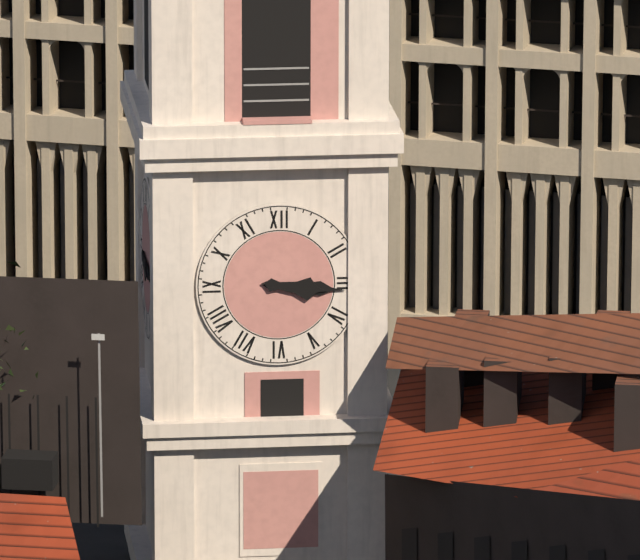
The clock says 3h16
